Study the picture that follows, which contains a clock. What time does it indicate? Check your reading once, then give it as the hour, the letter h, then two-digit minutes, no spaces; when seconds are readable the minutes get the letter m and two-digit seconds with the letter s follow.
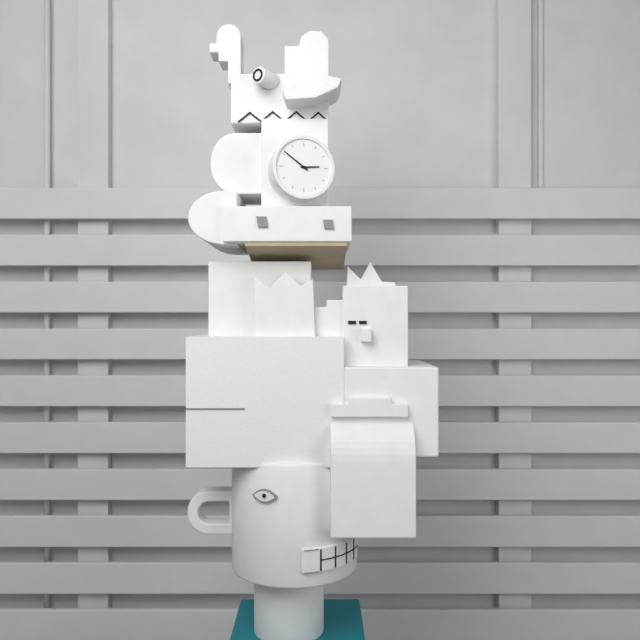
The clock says 2h51
